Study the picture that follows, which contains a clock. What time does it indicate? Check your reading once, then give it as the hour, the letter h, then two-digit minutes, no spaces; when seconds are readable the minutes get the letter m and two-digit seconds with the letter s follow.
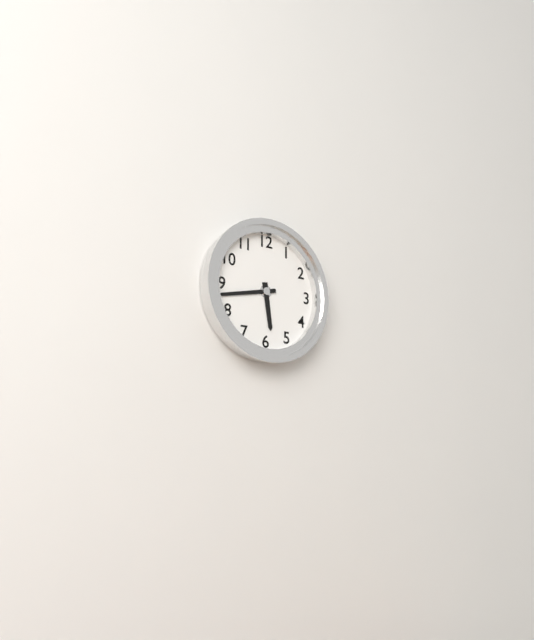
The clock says 5h43
